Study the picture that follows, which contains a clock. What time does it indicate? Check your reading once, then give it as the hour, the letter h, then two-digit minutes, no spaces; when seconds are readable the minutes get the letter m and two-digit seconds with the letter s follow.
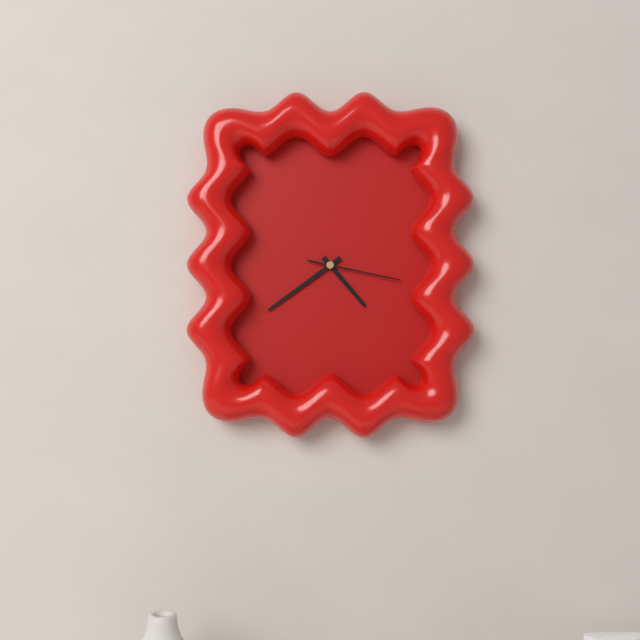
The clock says 4h39m17s
